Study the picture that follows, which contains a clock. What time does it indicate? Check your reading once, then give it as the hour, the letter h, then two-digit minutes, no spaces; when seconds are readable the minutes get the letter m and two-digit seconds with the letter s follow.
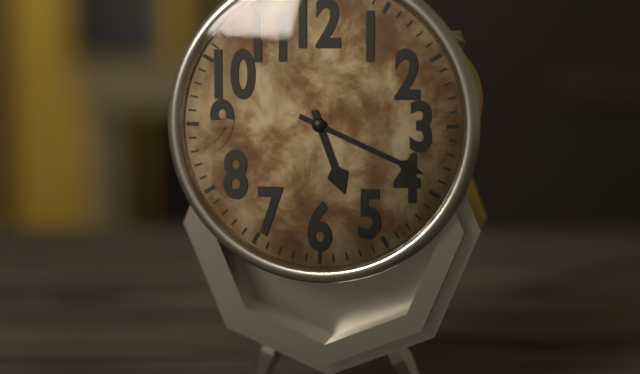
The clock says 5h19
